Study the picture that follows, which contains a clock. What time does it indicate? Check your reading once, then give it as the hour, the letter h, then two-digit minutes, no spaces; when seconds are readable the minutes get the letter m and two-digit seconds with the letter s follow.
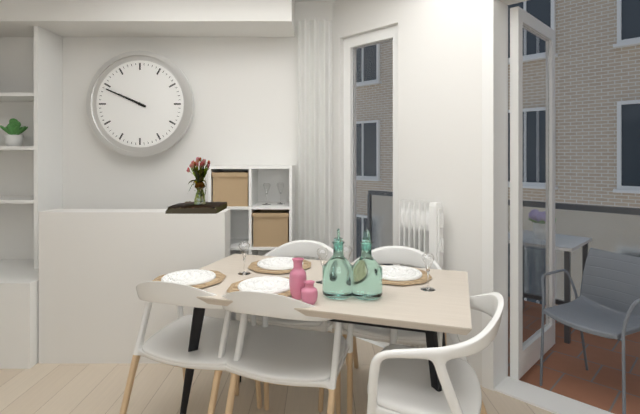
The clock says 9h49
